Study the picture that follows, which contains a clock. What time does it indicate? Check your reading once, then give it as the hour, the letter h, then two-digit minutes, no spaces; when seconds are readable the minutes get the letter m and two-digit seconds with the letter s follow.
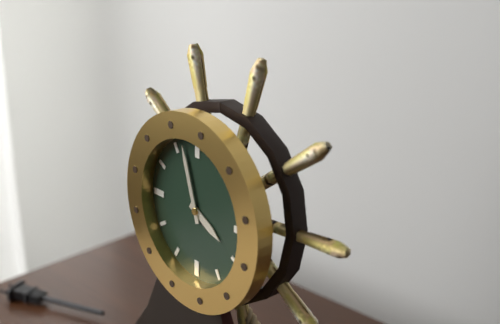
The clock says 3h57
